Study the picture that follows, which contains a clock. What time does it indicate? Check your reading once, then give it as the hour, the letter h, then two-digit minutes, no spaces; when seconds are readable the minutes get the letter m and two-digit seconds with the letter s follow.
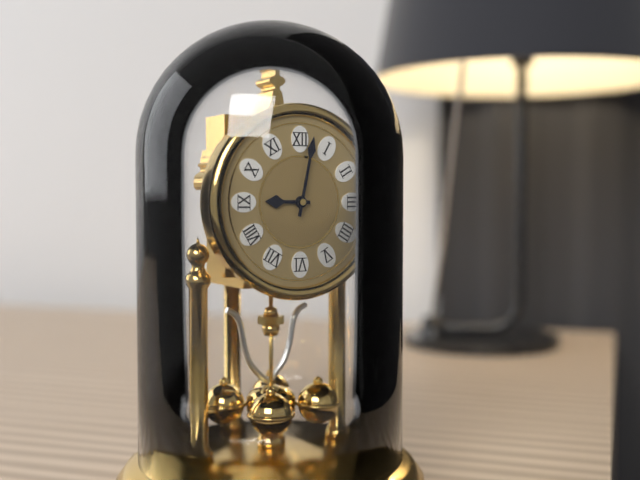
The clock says 9h02
